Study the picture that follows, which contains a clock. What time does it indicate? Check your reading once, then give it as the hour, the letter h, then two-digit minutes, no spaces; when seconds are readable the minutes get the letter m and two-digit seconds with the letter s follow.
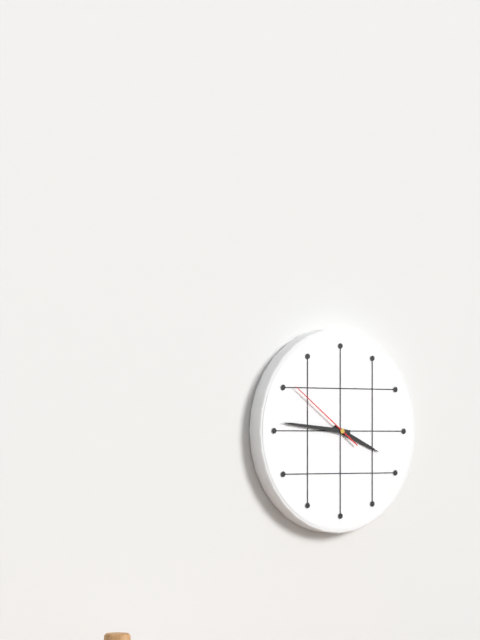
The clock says 3h46m51s
